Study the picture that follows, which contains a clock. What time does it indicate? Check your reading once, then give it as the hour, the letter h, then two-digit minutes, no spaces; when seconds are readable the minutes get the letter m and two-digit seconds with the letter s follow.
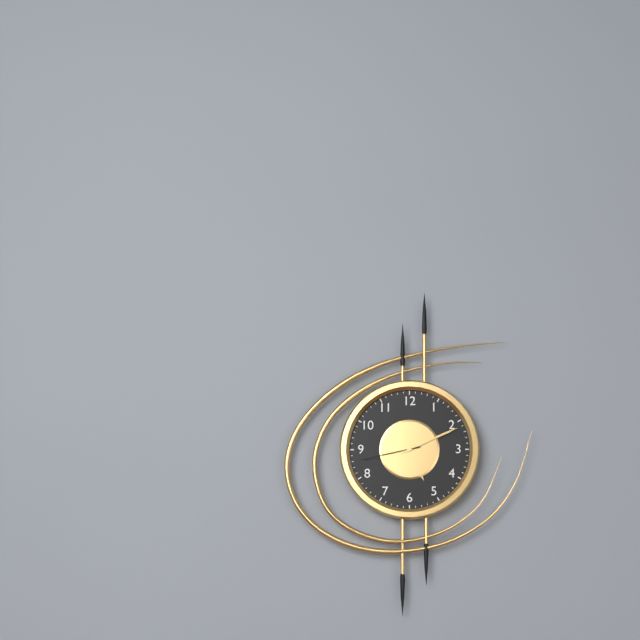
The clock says 5h11m43s
